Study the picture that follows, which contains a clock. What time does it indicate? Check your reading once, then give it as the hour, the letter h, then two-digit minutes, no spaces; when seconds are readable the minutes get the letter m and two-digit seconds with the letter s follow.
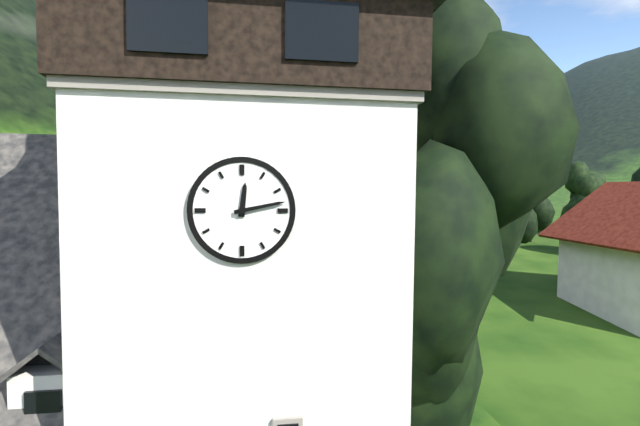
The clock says 12h13
